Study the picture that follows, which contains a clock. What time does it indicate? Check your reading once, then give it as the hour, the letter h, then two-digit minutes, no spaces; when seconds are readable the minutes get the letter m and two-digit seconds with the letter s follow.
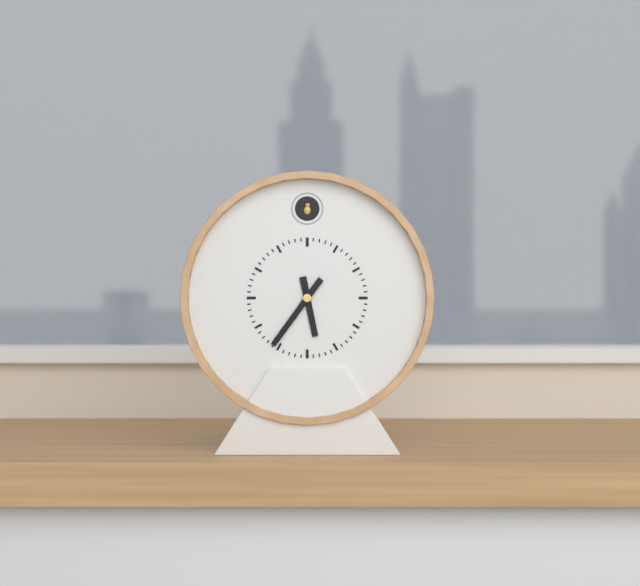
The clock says 5h36
